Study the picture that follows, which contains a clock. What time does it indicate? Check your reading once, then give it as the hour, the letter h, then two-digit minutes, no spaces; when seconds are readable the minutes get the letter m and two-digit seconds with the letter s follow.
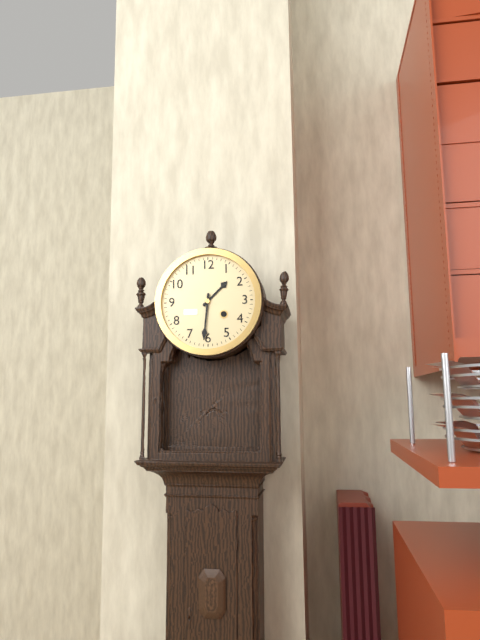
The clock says 1h31
